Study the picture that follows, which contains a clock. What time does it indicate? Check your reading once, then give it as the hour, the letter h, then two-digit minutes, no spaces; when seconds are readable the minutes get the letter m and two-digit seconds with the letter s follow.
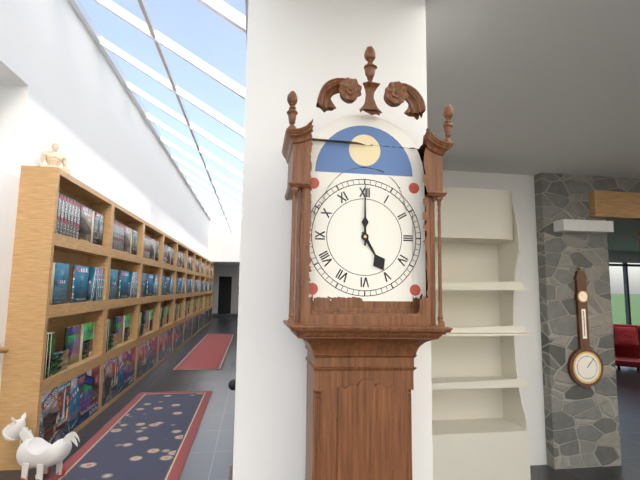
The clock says 5h00
